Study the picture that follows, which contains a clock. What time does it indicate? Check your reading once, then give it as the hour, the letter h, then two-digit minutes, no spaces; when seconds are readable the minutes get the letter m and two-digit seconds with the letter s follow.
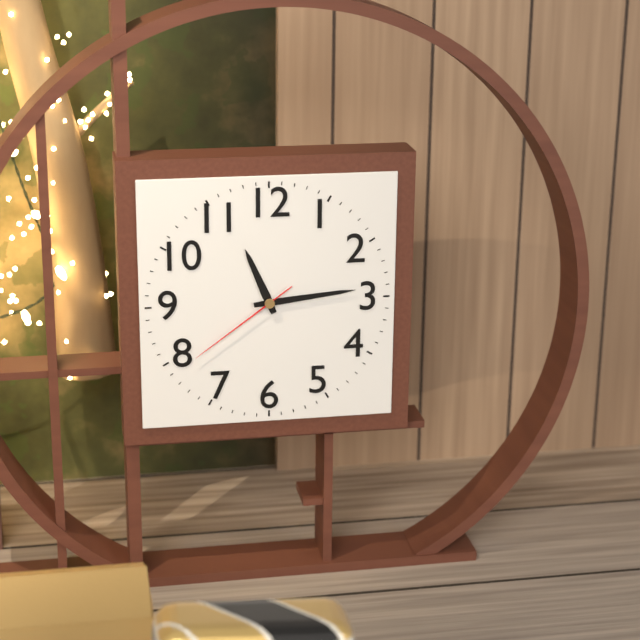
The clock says 11h14m39s
